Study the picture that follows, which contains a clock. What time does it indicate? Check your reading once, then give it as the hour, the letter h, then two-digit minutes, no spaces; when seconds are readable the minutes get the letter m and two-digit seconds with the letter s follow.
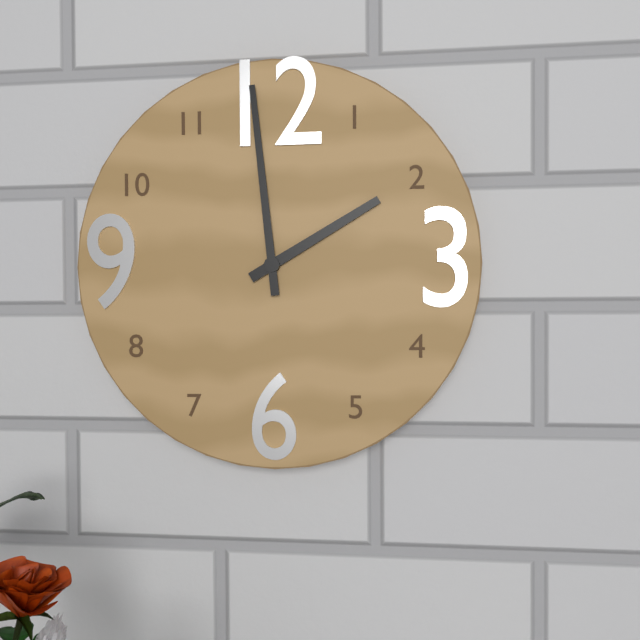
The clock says 1h59
